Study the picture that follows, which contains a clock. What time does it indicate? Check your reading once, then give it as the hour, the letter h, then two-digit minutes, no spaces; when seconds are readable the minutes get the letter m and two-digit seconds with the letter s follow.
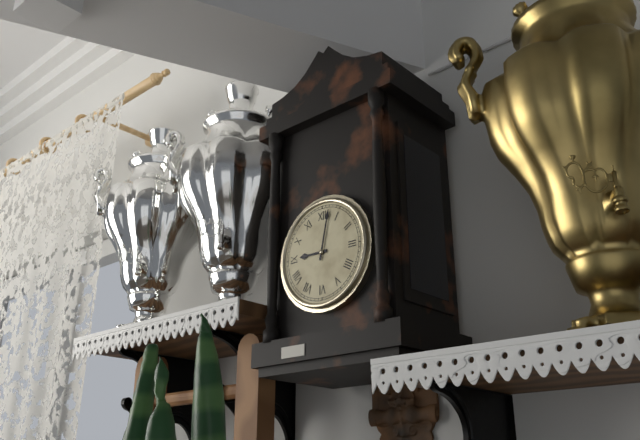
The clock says 9h02
